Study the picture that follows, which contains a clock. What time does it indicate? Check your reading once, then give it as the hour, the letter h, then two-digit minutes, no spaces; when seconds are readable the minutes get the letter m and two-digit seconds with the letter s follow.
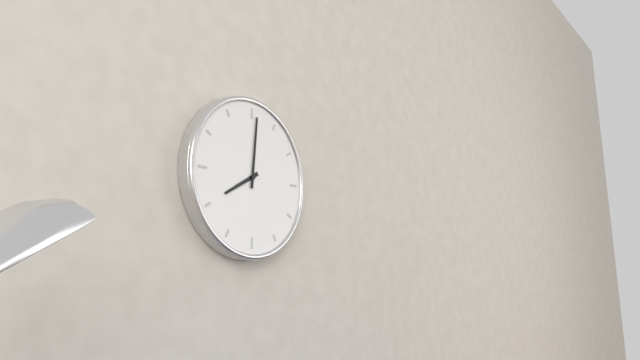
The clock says 8h01
